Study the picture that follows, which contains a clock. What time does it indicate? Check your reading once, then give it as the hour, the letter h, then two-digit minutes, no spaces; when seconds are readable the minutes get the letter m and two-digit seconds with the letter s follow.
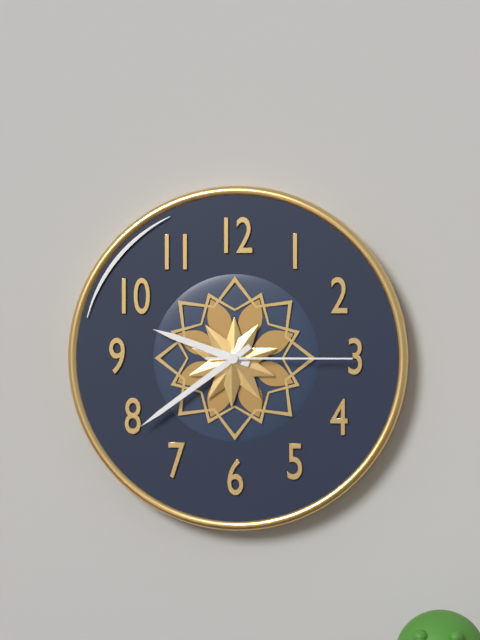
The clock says 9h39m15s
